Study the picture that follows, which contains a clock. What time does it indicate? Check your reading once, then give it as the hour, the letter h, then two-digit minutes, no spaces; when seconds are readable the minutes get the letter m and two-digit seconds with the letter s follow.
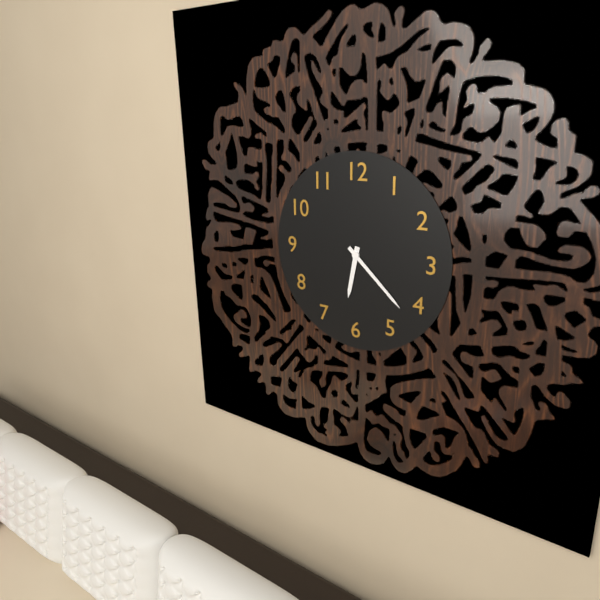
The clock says 6h22
